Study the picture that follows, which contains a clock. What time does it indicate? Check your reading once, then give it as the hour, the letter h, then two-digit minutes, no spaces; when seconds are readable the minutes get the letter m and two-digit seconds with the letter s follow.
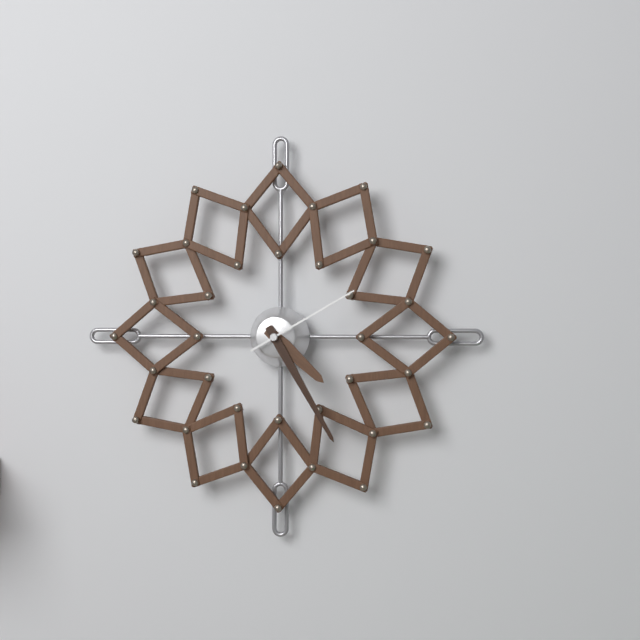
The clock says 4h25m10s
